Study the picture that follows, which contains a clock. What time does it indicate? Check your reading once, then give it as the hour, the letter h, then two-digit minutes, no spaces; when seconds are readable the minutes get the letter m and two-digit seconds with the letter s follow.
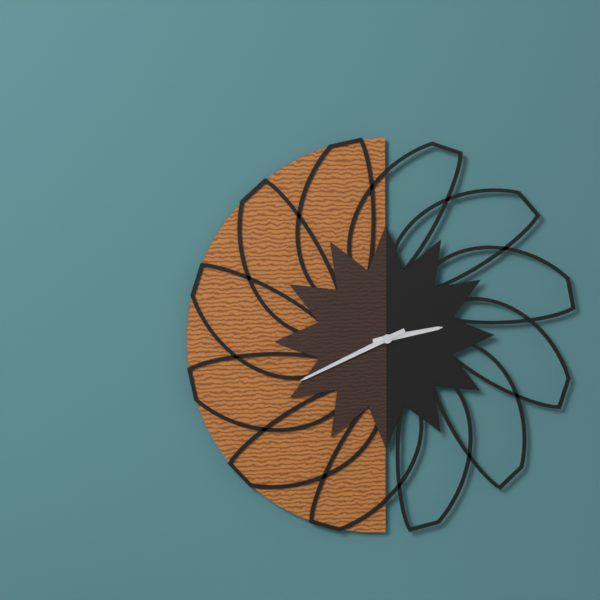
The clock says 2h41
